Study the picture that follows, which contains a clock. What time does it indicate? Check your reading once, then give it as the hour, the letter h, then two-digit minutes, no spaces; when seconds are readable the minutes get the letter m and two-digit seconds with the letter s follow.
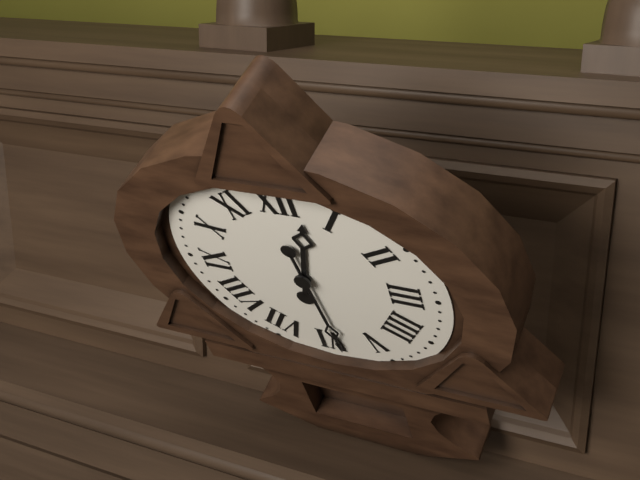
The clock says 12h29
